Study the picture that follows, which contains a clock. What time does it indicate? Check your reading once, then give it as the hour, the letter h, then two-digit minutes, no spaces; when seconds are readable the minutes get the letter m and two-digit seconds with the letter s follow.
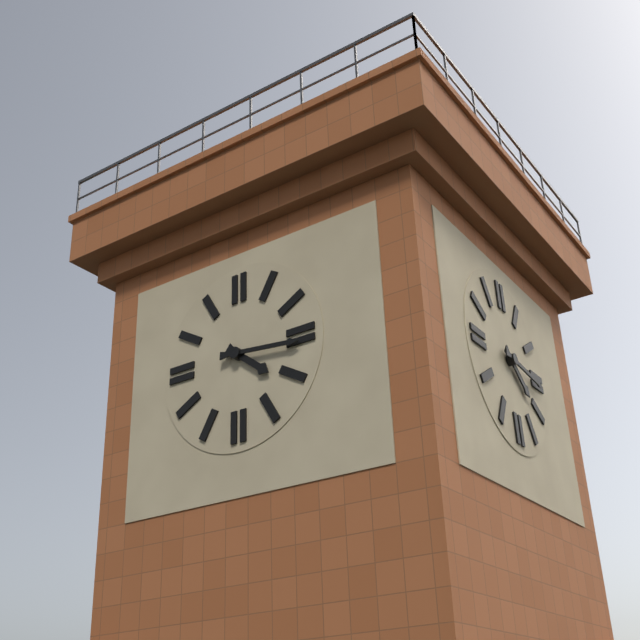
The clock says 4h16
